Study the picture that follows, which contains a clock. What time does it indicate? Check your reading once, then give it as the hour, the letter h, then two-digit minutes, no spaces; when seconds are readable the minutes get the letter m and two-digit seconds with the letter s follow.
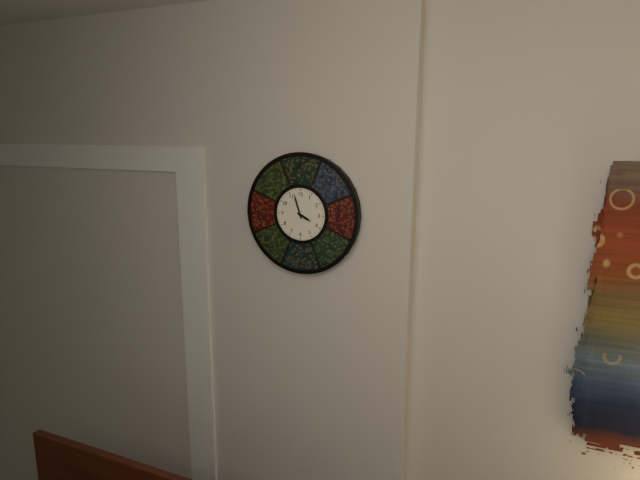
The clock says 3h57
